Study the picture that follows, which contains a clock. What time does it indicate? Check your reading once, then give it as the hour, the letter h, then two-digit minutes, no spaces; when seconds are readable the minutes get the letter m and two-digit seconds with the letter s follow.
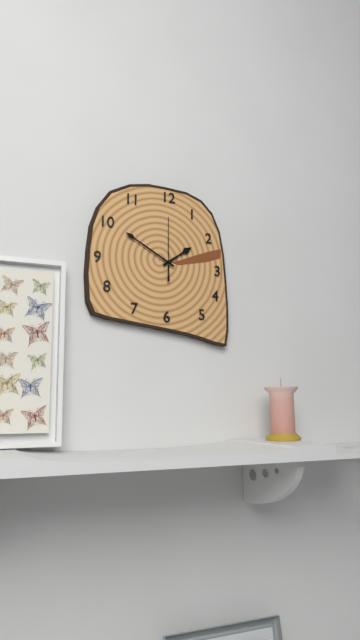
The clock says 1h50m00s
